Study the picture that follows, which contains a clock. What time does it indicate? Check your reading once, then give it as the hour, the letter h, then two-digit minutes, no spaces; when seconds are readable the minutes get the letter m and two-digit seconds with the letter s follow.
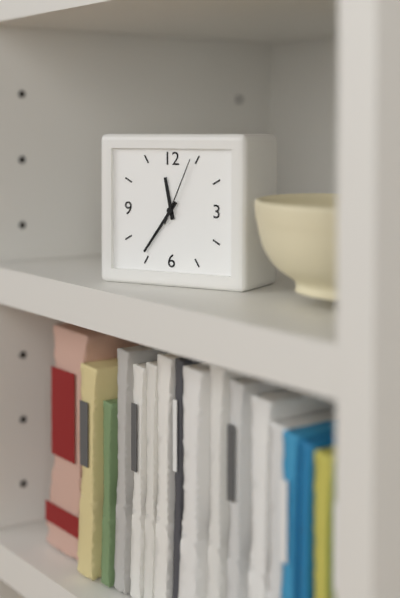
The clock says 11h36m04s
